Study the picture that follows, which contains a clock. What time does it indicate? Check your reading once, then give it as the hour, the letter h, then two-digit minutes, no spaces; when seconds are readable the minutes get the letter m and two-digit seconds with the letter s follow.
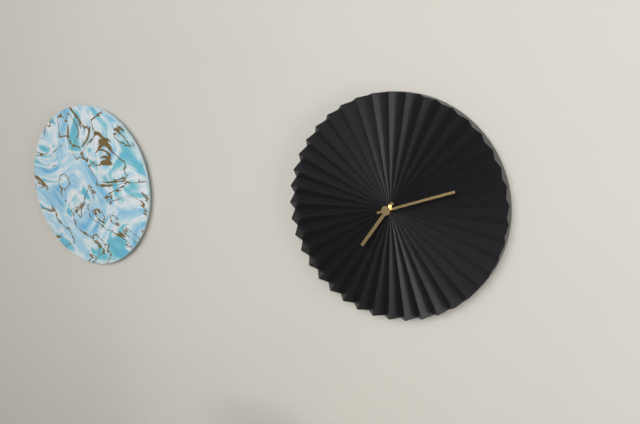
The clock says 7h12
